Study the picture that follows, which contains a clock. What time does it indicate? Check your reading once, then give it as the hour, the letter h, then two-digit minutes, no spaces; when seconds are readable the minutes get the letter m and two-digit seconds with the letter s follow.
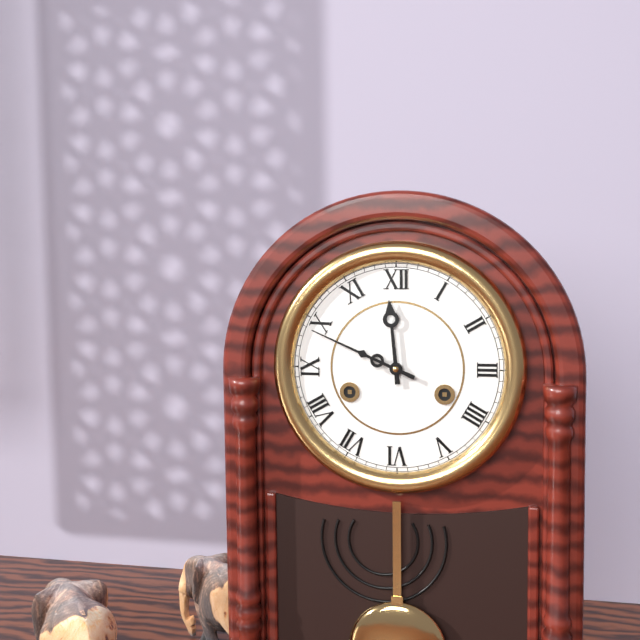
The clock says 11h49
